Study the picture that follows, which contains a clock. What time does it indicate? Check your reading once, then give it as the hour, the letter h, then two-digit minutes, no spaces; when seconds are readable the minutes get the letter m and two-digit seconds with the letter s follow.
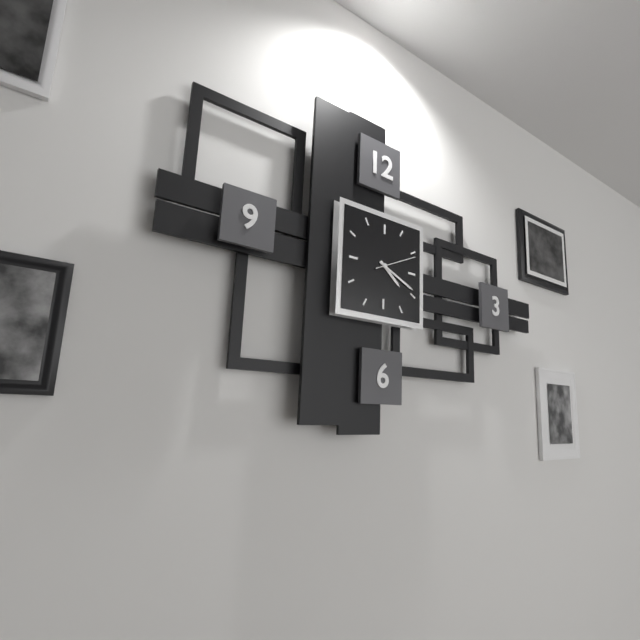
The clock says 4h19
